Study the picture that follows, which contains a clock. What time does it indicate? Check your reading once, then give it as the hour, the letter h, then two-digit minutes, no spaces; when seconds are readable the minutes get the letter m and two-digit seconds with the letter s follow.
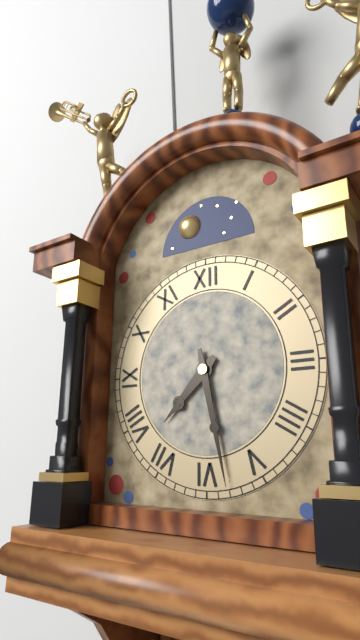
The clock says 7h28
